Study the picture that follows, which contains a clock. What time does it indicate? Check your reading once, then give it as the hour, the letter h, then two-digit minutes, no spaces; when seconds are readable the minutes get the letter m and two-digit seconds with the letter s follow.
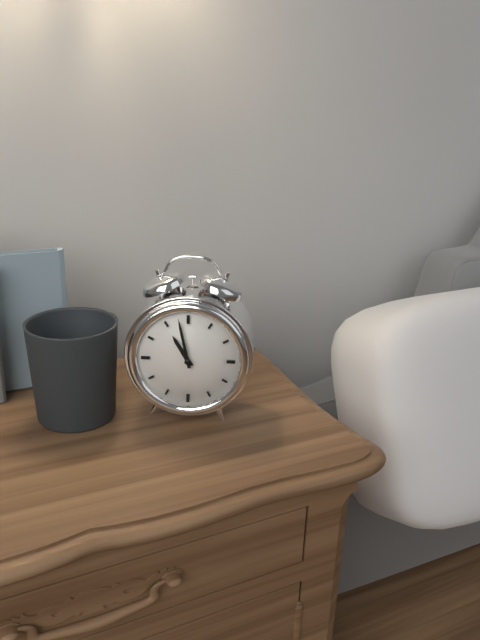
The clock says 10h58
